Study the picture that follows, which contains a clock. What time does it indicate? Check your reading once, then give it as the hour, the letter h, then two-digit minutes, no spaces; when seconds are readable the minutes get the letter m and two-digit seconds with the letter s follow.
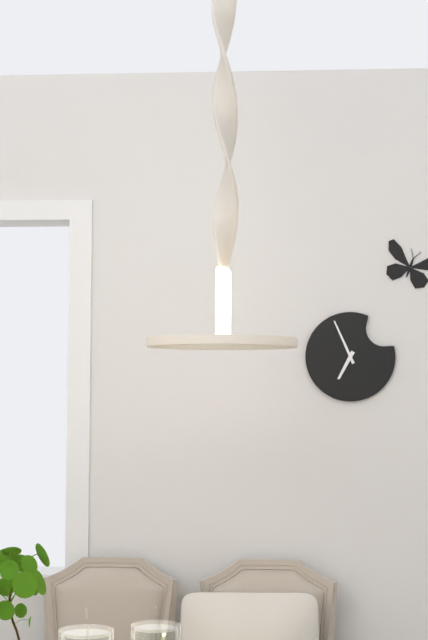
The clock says 6h56
